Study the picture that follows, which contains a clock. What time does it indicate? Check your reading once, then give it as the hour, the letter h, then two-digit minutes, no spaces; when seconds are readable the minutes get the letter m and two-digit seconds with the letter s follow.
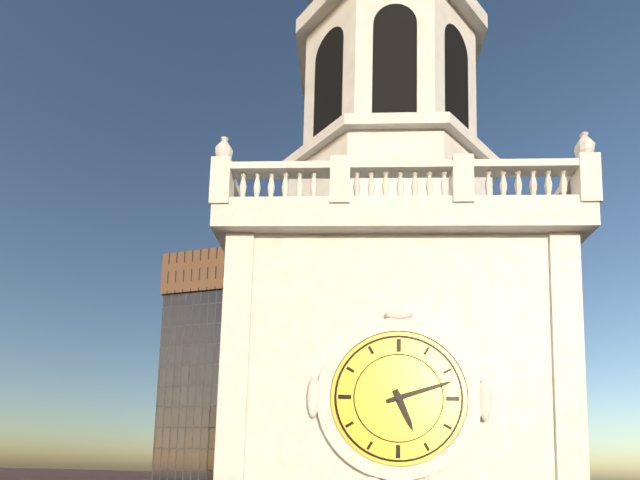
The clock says 5h12
